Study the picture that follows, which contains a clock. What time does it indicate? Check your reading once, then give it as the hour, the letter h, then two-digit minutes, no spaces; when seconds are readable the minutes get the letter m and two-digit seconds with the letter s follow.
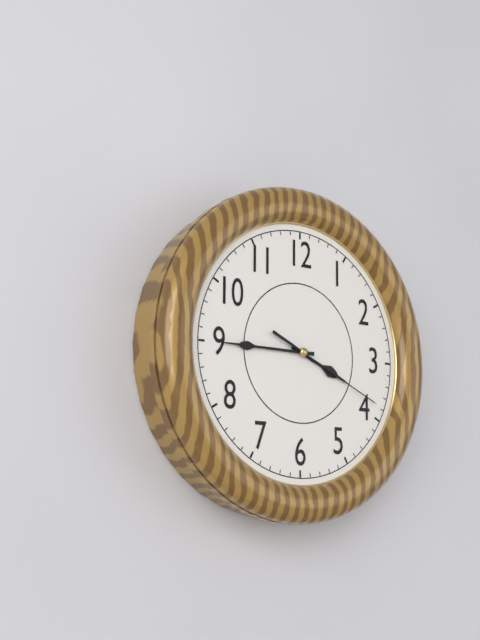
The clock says 3h45m19s
